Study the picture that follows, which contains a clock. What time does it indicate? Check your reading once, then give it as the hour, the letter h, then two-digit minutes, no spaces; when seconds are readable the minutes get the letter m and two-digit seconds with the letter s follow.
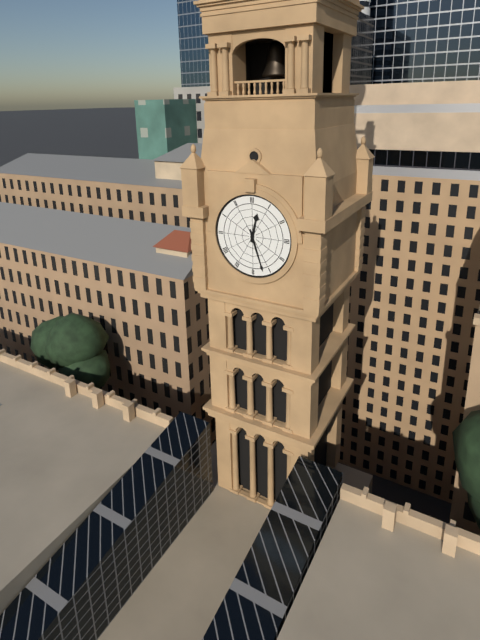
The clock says 12h27
